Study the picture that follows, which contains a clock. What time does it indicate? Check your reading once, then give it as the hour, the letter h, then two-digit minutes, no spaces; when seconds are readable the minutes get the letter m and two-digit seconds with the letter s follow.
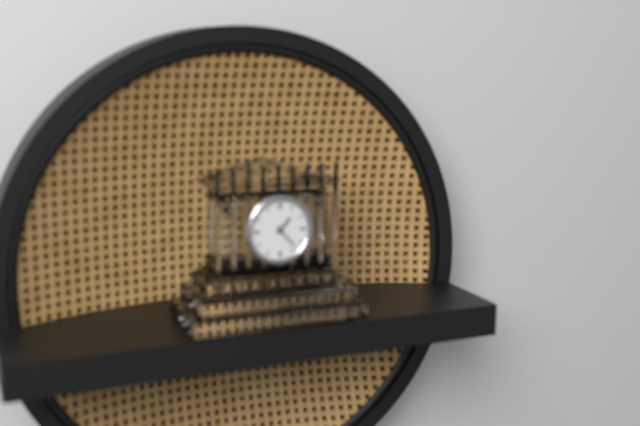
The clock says 1h23
